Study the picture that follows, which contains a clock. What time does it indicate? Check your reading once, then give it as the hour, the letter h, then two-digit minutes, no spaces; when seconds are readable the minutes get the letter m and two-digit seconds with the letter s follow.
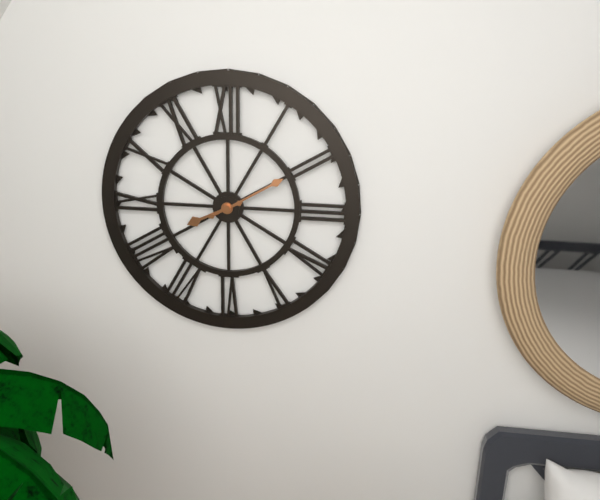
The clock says 8h10
